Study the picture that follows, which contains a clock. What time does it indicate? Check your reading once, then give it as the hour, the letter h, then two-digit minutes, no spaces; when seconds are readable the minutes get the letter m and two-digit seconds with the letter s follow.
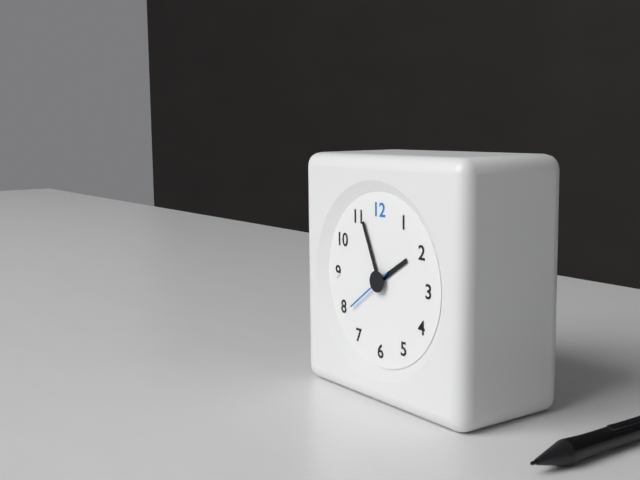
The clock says 1h56
